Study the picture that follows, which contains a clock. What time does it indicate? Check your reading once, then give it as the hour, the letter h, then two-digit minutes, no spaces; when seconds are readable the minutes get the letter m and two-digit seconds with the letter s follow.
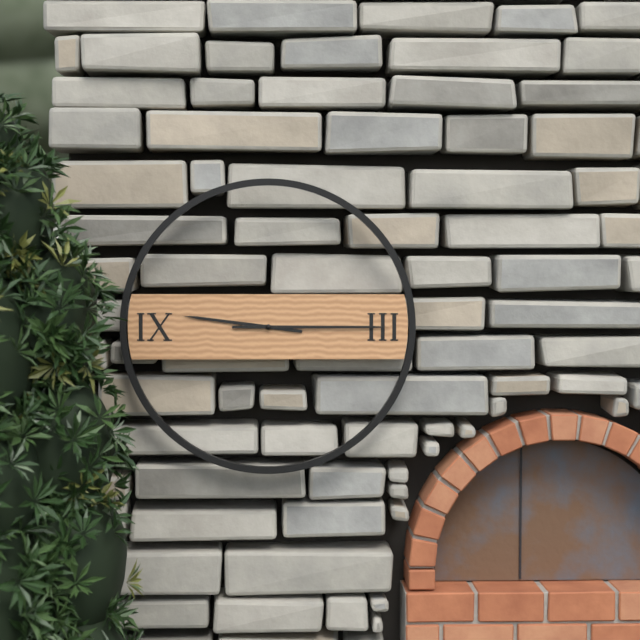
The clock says 9h15
